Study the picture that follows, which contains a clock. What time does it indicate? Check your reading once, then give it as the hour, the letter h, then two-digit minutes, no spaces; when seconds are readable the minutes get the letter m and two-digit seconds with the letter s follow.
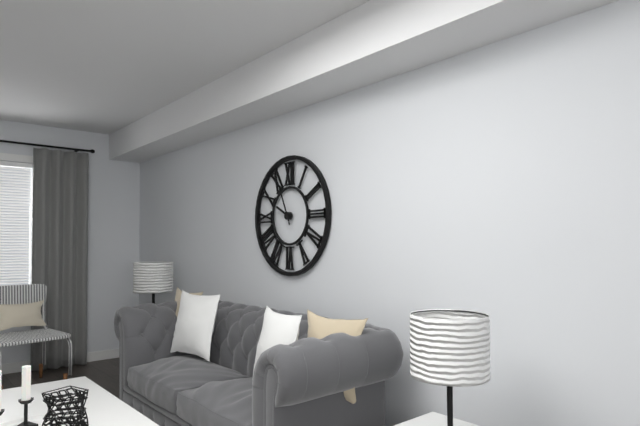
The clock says 9h56
